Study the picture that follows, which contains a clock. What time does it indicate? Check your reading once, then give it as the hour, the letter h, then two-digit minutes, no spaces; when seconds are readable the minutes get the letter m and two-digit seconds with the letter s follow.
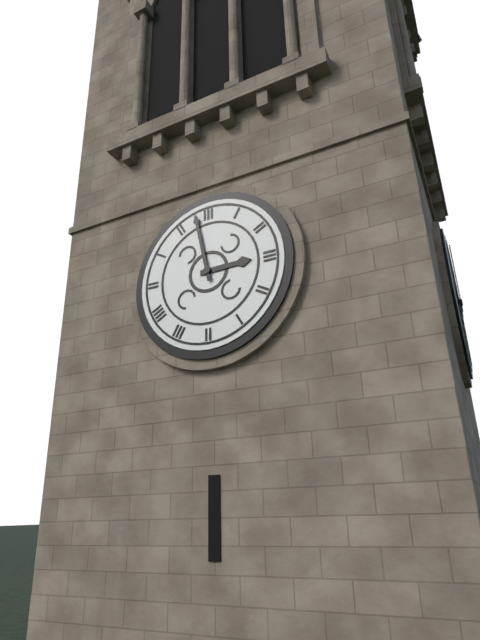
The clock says 2h58
